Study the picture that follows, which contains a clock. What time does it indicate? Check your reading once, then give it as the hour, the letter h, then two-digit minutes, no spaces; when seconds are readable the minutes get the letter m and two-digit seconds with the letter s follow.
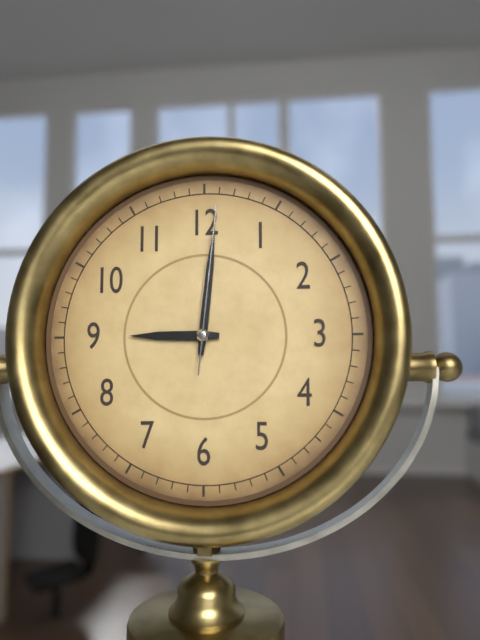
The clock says 9h01m01s
